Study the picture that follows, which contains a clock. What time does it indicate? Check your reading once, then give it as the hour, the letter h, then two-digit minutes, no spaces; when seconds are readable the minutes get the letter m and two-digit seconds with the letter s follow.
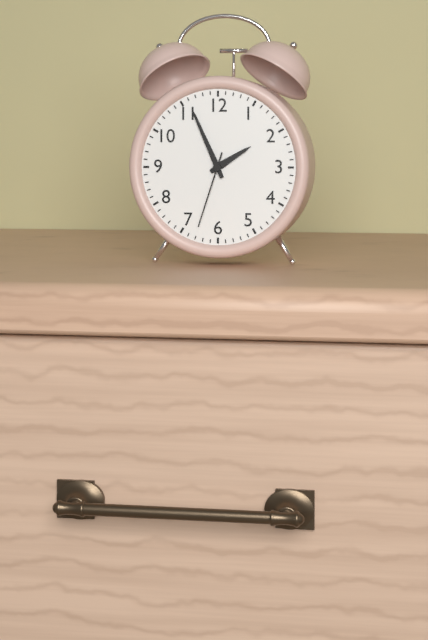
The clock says 1h56m33s
